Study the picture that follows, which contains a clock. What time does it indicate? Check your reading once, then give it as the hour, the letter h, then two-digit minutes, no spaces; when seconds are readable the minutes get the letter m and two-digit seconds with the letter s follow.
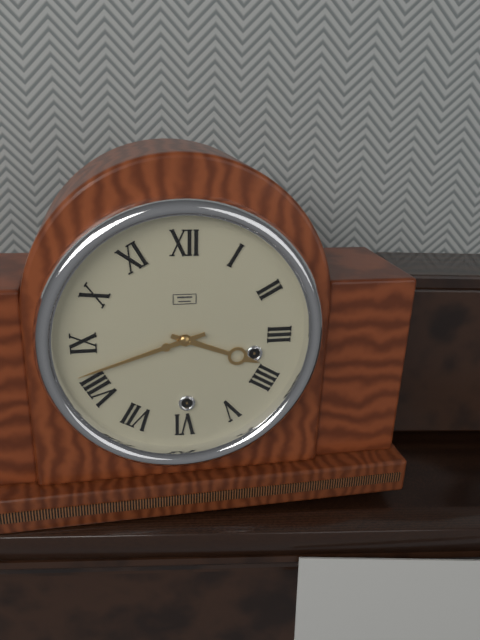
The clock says 3h42
